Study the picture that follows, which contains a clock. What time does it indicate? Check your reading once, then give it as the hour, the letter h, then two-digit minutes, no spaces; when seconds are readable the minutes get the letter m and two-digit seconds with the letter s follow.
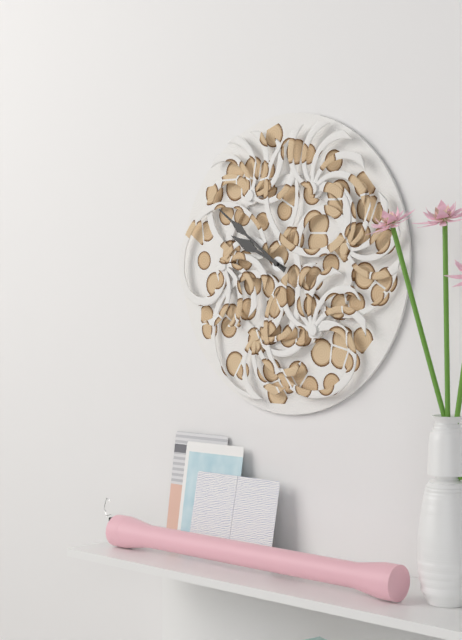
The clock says 9h51
